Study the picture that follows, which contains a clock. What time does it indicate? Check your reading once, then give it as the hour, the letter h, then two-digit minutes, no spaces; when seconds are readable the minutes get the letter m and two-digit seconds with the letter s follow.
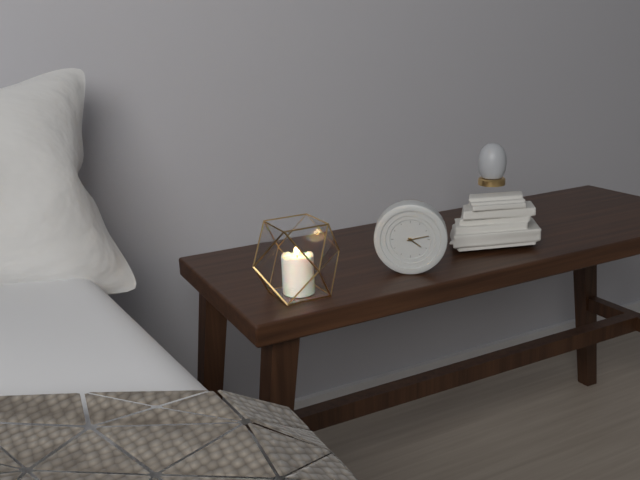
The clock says 4h13
